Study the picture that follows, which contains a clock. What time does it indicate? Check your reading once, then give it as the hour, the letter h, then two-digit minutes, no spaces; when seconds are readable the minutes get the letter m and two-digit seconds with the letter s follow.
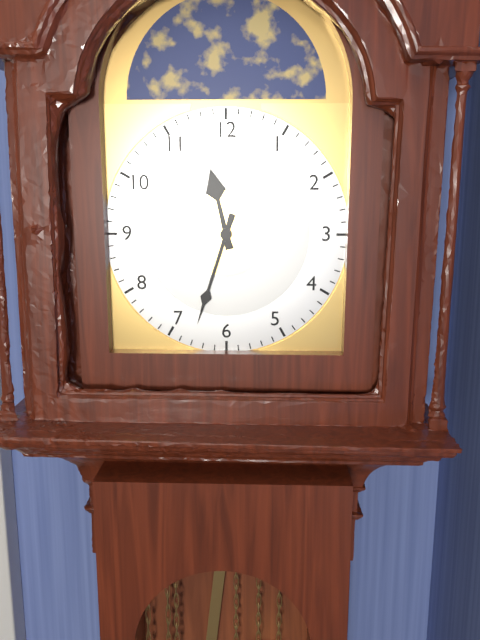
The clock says 11h33
